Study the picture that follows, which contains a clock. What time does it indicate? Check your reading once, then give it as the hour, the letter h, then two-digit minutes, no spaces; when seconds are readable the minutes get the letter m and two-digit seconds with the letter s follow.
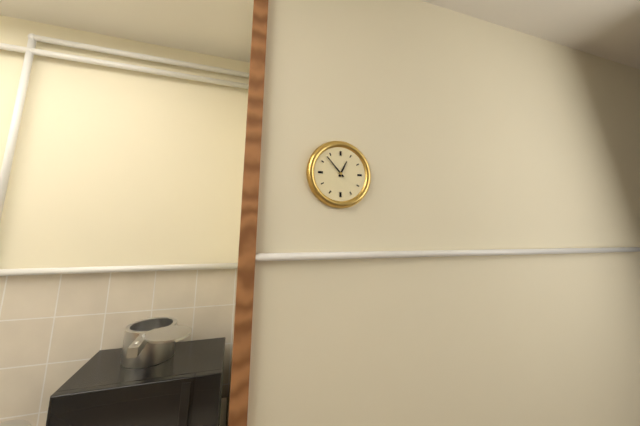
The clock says 12h53
